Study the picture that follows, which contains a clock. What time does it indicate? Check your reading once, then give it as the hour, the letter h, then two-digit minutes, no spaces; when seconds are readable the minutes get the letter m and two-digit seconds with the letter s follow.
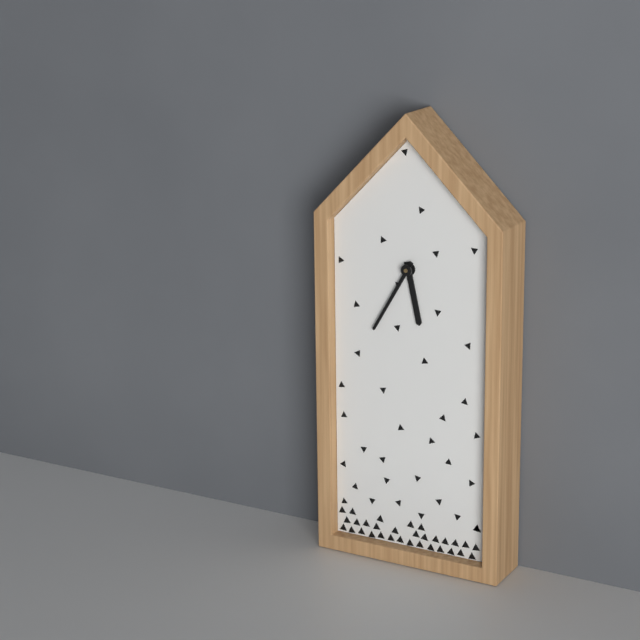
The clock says 5h35
